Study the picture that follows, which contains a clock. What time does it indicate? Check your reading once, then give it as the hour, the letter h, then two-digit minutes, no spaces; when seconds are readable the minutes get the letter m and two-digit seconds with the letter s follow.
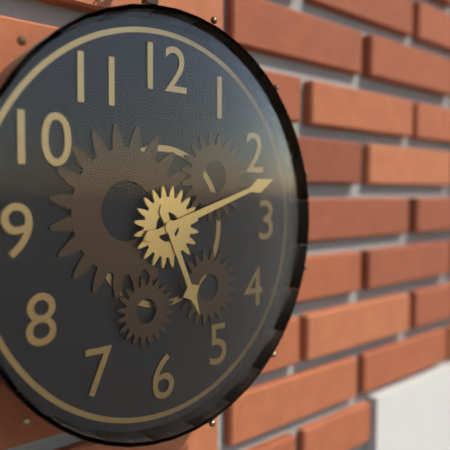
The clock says 5h12
